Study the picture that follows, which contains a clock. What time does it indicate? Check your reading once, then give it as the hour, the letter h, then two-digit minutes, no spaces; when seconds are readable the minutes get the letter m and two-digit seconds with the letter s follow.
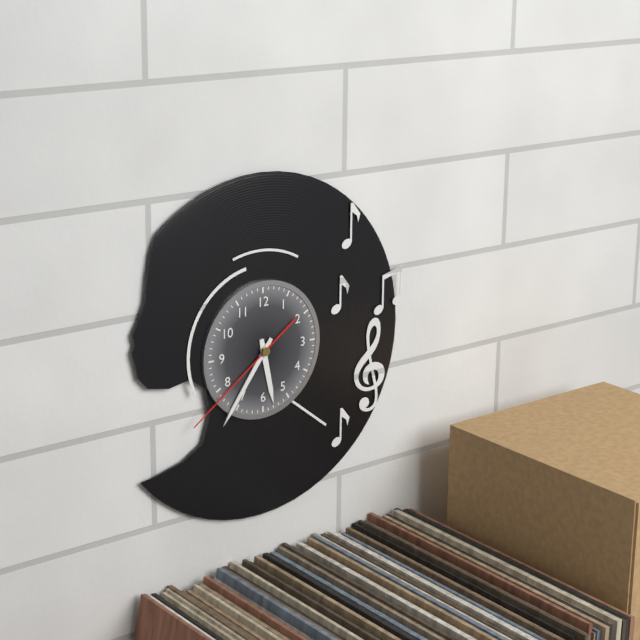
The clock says 5h36m39s
